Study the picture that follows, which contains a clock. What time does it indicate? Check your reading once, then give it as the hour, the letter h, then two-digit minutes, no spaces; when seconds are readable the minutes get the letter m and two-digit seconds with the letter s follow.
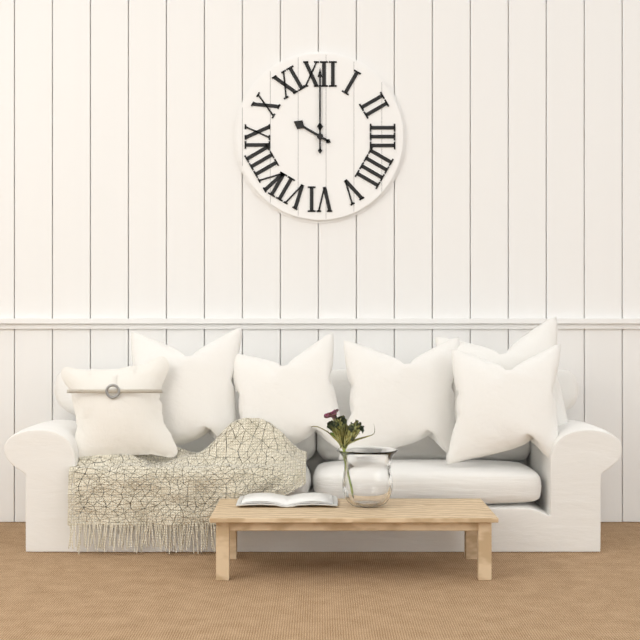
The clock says 10h00
